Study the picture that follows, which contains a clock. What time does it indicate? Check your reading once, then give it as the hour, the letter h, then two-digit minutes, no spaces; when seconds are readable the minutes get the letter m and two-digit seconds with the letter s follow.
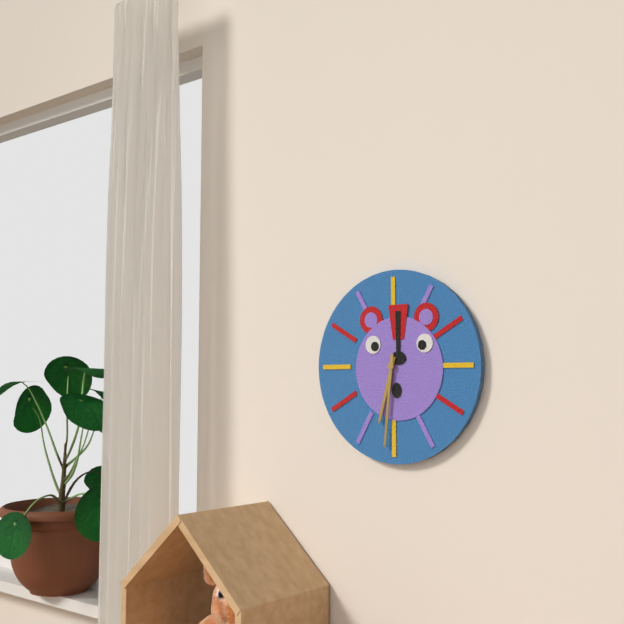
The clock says 6h31
